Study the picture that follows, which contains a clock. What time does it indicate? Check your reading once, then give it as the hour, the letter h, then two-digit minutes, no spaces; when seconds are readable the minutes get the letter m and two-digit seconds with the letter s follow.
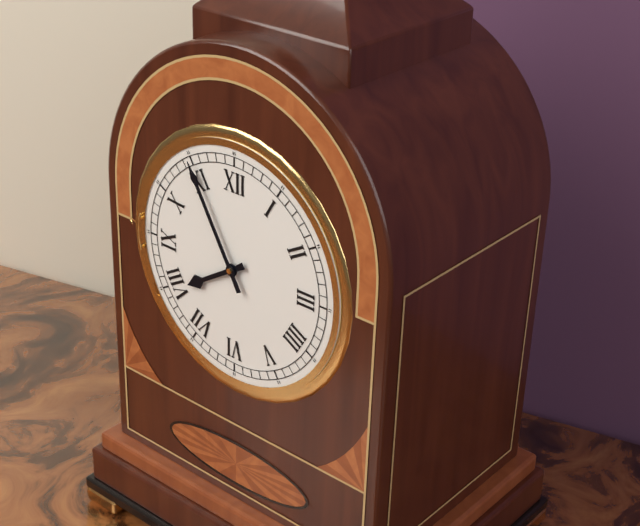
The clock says 7h55
